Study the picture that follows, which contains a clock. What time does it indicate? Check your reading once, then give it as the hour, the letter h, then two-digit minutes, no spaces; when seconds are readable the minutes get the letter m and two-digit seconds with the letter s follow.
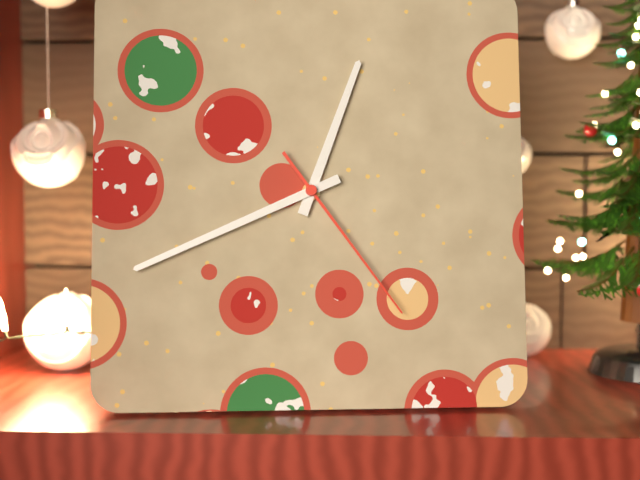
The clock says 12h41m24s
